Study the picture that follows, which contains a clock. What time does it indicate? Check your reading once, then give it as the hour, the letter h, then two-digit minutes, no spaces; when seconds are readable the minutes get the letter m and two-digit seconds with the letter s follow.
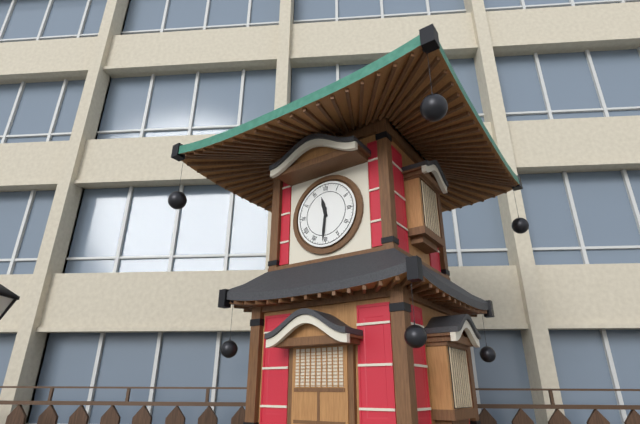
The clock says 11h31
